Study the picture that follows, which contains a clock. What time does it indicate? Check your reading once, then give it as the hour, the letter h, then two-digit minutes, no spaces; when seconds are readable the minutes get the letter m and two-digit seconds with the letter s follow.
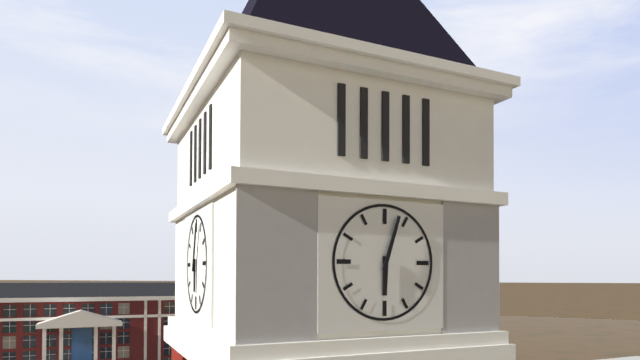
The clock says 6h03
